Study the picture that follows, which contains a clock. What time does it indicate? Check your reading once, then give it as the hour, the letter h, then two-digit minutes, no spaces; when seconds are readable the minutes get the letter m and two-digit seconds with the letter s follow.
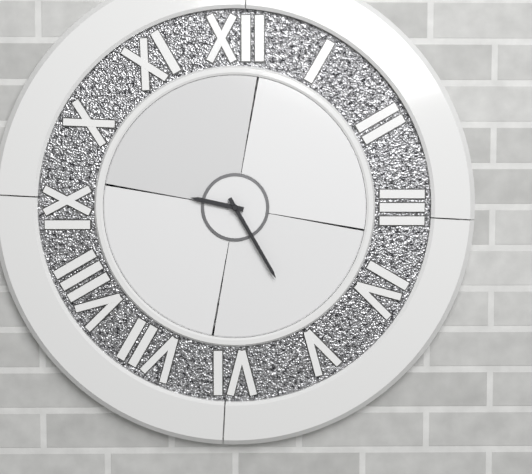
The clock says 9h25
